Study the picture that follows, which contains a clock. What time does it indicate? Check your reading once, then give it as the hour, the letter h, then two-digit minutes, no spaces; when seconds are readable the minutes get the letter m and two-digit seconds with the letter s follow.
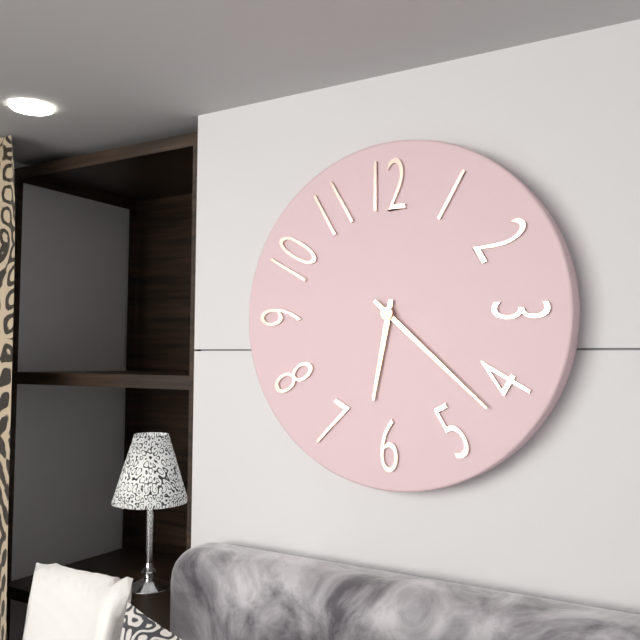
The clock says 6h22
